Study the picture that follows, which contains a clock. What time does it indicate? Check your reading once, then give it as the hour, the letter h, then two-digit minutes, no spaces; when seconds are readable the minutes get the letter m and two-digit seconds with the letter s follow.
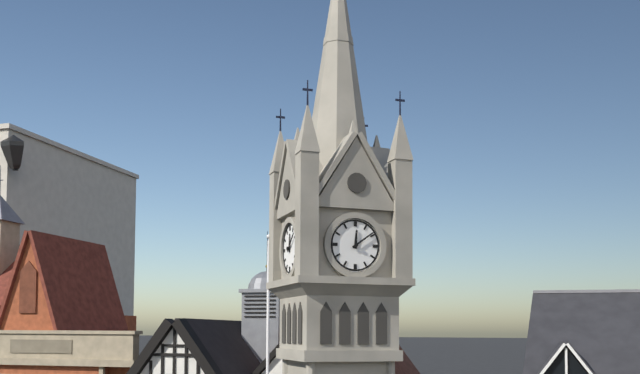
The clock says 12h09
